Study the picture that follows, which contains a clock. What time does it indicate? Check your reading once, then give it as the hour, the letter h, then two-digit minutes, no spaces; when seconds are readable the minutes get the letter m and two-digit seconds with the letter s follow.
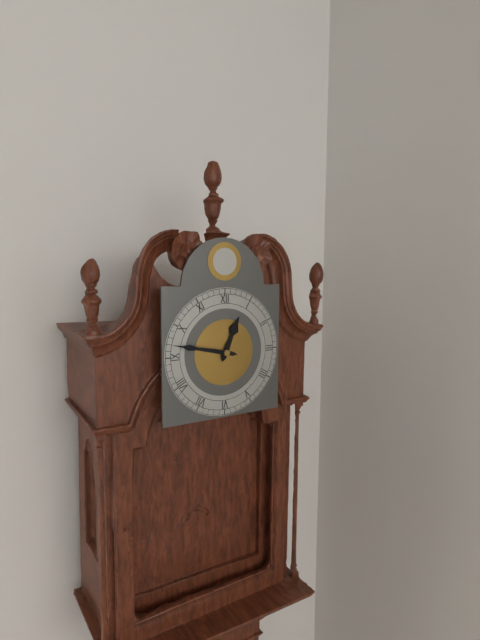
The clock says 12h47
